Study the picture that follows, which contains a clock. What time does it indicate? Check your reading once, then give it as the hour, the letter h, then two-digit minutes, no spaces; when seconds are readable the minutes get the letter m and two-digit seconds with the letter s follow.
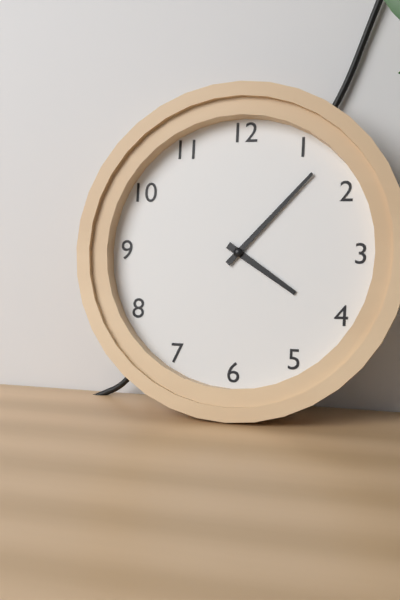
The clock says 4h07
